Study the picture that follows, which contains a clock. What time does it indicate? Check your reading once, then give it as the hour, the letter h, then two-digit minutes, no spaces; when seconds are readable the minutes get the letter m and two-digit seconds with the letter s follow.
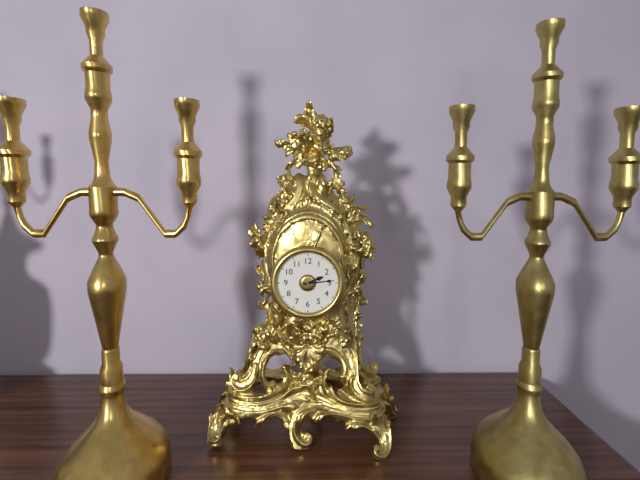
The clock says 2h14
